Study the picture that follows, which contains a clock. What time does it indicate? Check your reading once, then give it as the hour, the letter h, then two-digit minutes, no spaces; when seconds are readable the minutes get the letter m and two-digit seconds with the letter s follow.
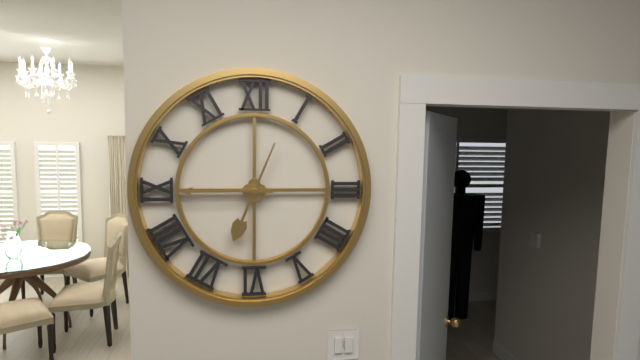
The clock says 6h45
